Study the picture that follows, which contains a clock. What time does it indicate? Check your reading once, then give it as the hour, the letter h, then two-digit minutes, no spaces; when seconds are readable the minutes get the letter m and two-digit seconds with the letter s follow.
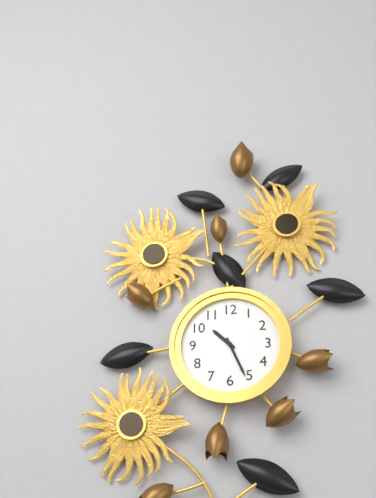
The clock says 10h26
